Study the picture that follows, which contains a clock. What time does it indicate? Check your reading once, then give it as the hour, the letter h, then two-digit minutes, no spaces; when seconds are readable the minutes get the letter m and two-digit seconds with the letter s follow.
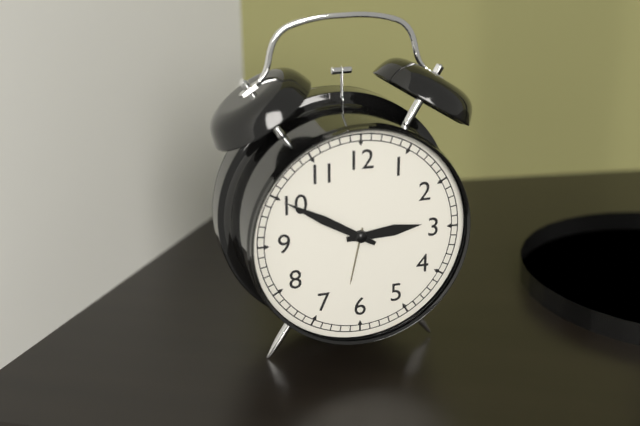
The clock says 2h50
